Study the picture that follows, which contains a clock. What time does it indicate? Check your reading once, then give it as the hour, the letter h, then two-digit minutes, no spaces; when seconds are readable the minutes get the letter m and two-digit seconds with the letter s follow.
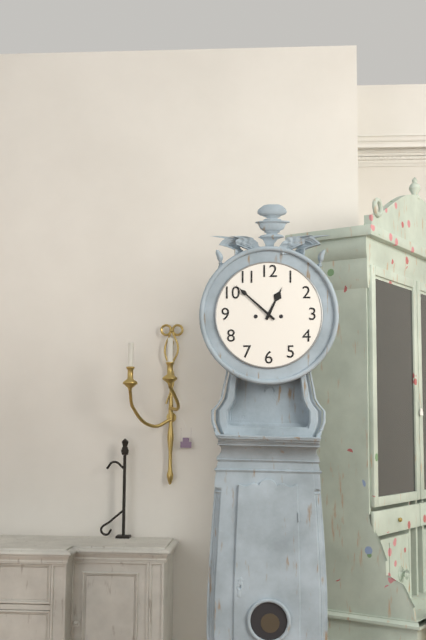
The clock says 12h52
